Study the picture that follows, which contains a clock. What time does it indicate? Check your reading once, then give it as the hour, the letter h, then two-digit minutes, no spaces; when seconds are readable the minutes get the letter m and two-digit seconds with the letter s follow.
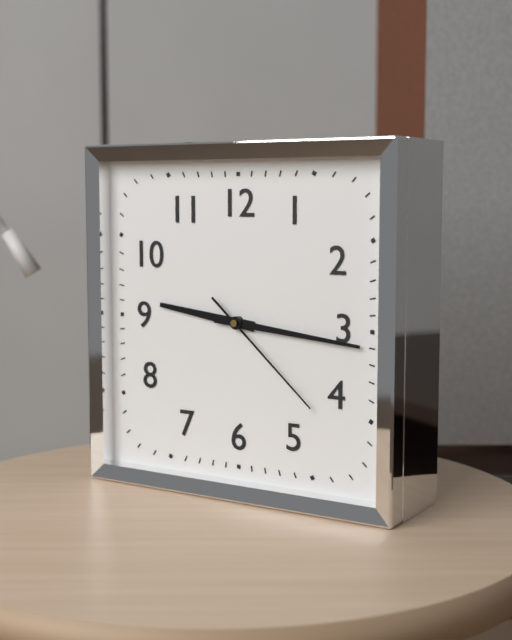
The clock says 9h16m22s
